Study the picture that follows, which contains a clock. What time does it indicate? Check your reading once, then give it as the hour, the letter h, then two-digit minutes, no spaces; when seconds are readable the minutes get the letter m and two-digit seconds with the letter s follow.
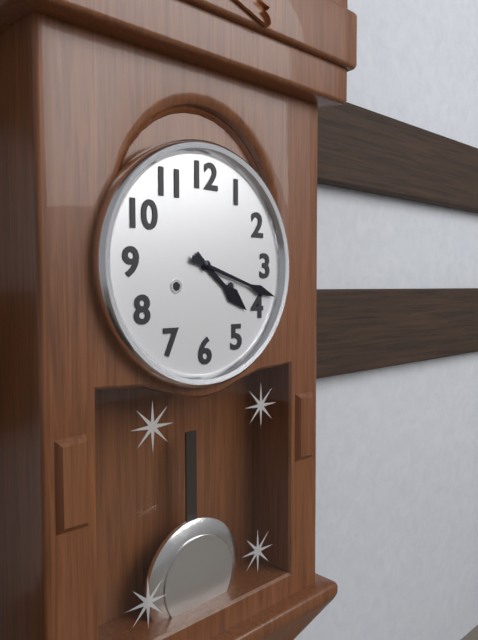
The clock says 4h18
